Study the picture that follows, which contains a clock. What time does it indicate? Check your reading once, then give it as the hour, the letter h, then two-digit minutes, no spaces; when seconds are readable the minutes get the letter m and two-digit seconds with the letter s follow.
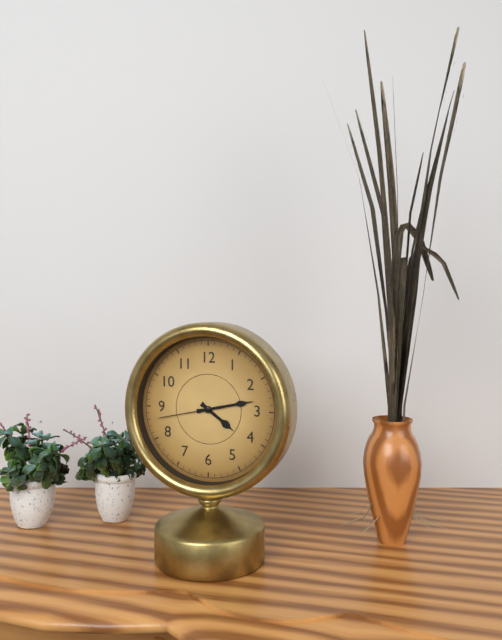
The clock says 4h13m43s
